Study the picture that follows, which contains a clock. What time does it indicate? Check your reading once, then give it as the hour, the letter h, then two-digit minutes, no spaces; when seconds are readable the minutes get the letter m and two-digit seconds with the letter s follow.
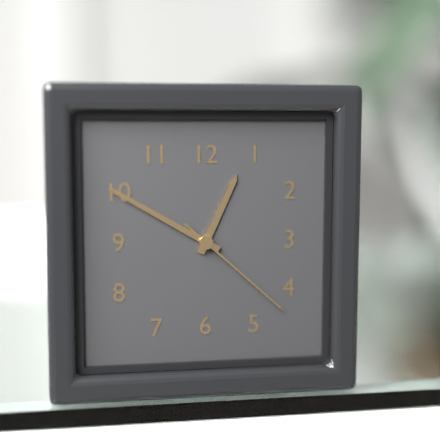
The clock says 12h50m22s
